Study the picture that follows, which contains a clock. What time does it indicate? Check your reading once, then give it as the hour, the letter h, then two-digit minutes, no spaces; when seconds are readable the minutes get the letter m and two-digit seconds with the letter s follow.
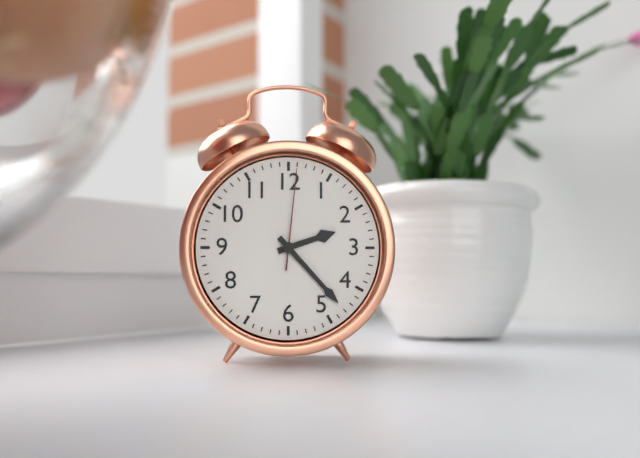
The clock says 2h23m01s
